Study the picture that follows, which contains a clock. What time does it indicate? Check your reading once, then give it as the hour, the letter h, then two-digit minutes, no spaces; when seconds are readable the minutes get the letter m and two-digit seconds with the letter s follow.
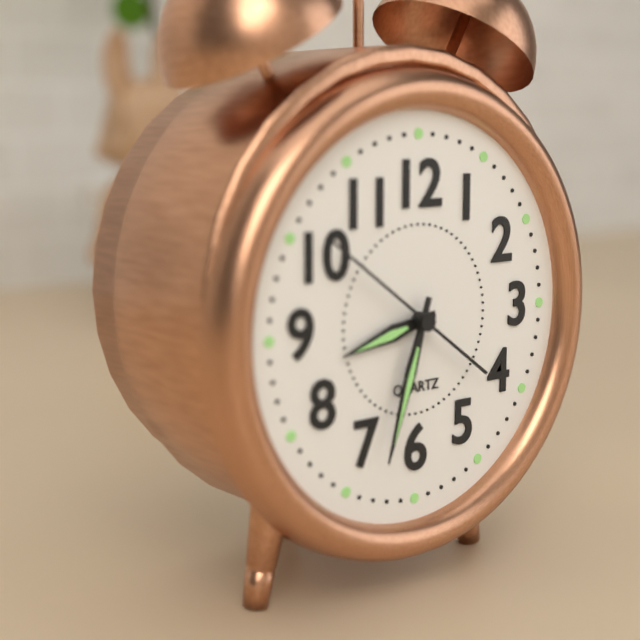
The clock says 8h33m51s
